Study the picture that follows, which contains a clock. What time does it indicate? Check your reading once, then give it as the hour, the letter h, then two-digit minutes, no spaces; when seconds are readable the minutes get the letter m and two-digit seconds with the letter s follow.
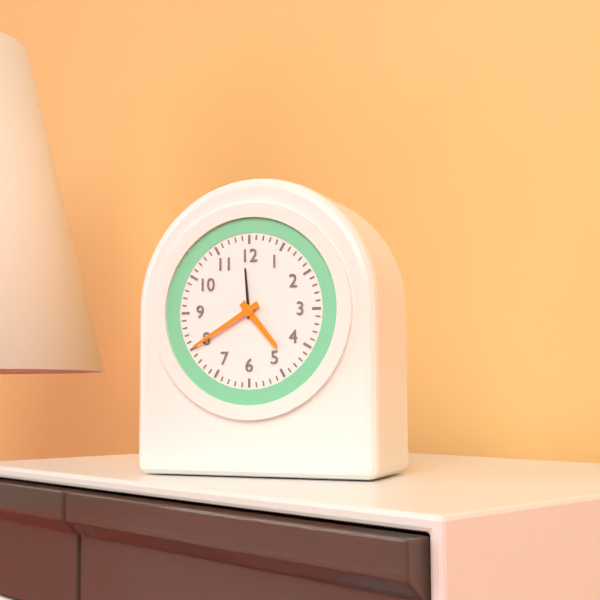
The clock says 4h40
